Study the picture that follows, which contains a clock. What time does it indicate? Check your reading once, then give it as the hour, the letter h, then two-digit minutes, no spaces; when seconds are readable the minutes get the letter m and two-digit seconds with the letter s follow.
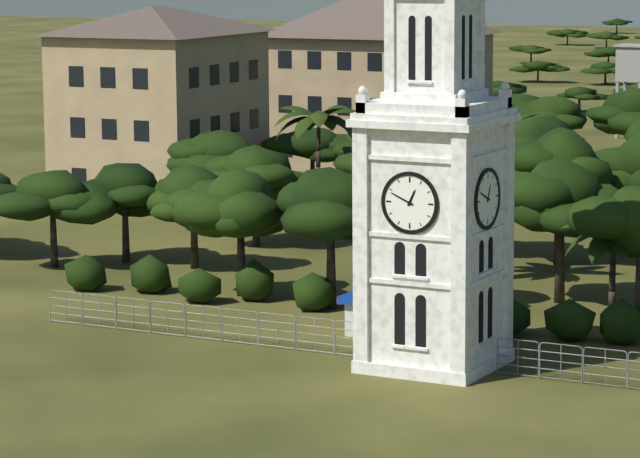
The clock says 12h49
